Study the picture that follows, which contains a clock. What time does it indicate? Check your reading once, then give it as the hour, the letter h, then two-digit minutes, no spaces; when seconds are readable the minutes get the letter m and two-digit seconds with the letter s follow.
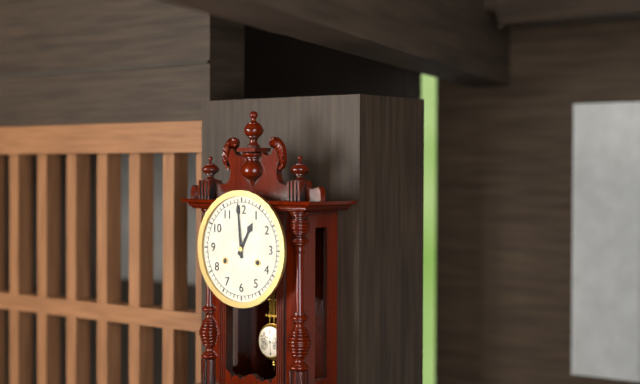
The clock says 12h59
